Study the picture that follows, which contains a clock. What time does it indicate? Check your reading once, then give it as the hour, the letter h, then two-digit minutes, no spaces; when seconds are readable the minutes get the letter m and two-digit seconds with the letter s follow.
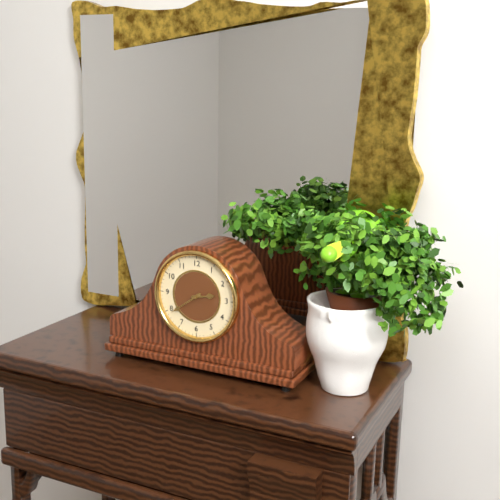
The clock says 2h39
